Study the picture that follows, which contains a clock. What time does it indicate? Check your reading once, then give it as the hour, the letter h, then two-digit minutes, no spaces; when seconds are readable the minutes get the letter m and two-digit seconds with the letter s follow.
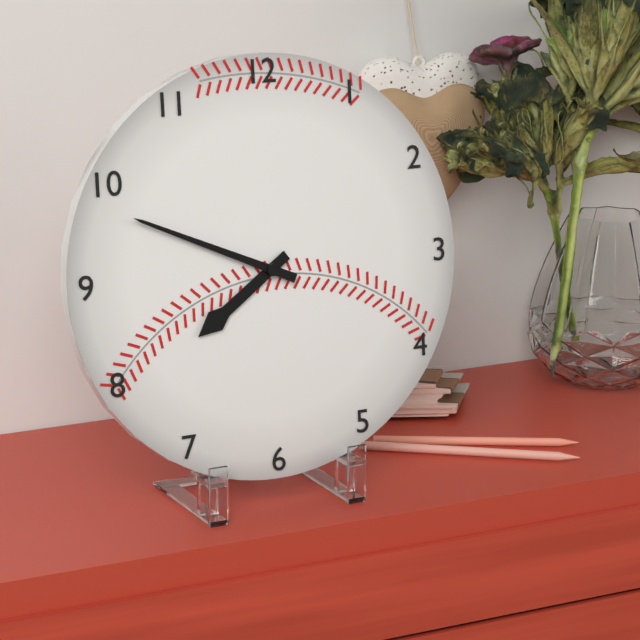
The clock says 7h49
